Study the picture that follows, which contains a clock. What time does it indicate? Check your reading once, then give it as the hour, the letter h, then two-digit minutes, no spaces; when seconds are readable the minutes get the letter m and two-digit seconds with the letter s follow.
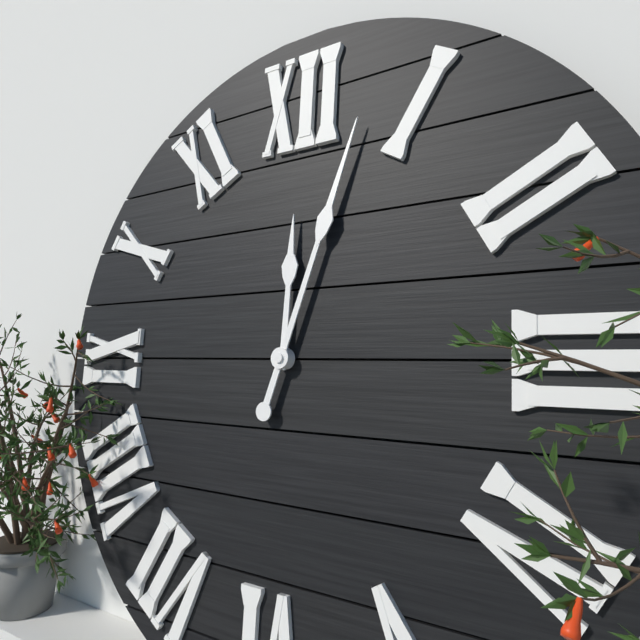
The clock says 12h03
